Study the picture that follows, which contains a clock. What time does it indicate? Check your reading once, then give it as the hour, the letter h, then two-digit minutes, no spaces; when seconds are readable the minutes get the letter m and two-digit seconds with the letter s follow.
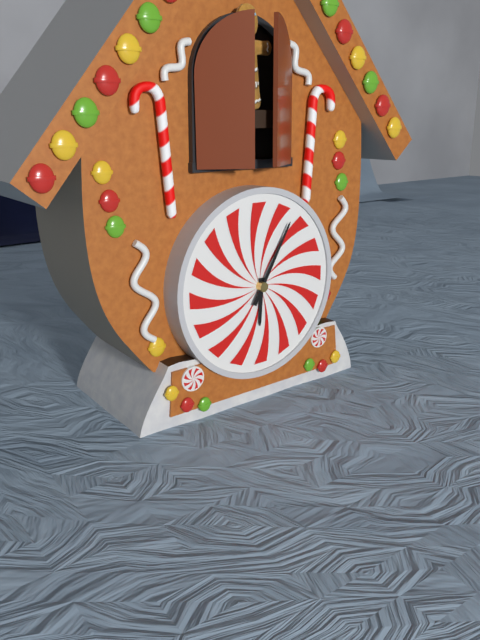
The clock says 6h05
